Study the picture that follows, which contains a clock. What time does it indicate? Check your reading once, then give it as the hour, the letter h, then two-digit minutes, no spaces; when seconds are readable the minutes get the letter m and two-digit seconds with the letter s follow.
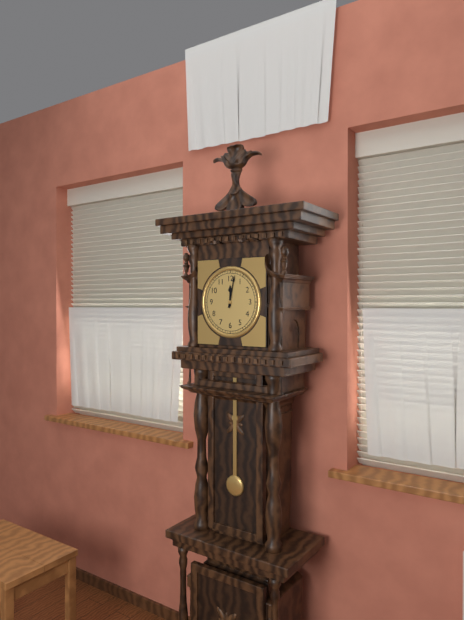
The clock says 12h02
